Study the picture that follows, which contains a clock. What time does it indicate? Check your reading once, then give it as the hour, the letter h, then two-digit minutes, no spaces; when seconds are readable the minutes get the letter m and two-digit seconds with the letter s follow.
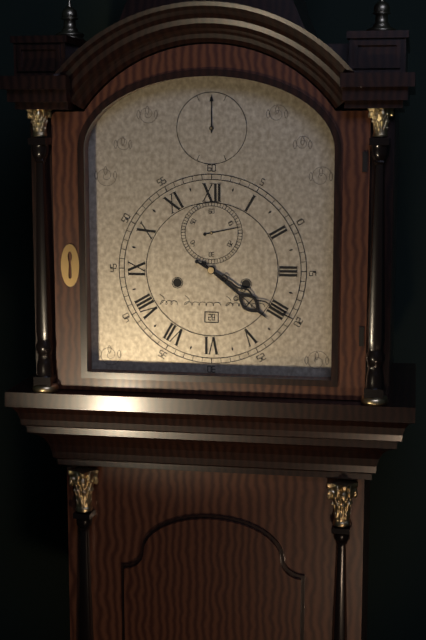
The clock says 4h20
